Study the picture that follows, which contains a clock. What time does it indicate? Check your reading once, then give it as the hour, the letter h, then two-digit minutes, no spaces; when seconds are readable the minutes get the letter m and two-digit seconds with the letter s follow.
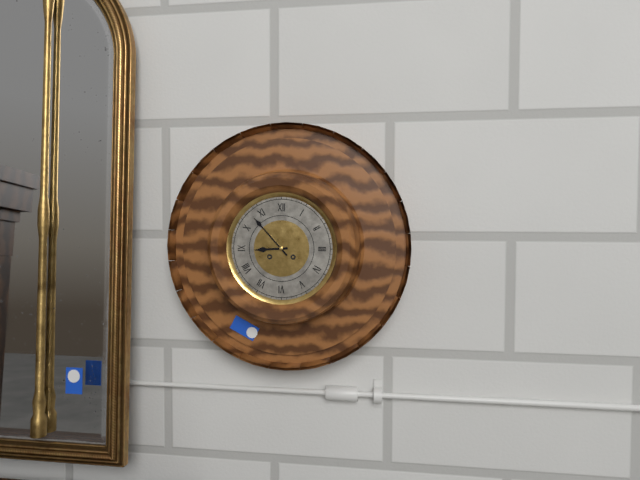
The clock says 8h53
